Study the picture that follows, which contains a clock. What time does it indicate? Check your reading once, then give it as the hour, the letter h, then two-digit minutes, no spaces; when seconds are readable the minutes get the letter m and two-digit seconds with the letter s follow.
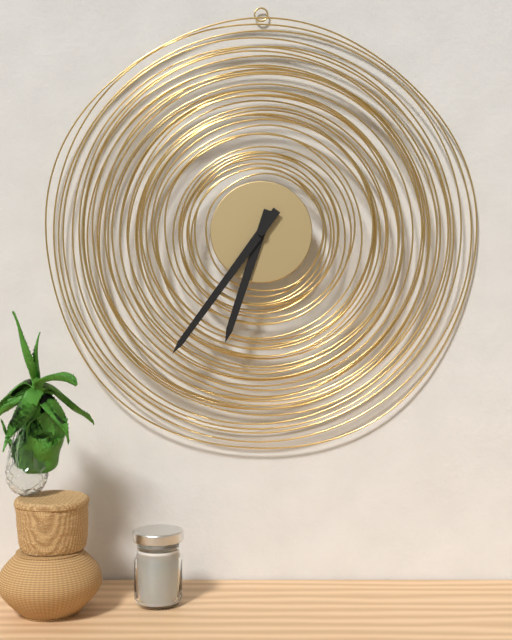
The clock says 6h36
